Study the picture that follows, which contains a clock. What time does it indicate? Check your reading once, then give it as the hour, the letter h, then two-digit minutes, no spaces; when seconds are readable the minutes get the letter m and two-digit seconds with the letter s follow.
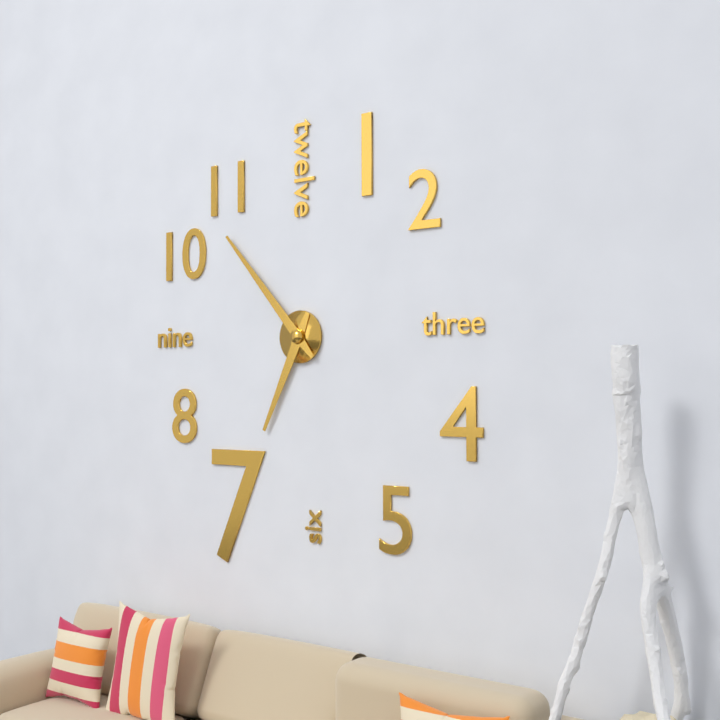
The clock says 6h53
